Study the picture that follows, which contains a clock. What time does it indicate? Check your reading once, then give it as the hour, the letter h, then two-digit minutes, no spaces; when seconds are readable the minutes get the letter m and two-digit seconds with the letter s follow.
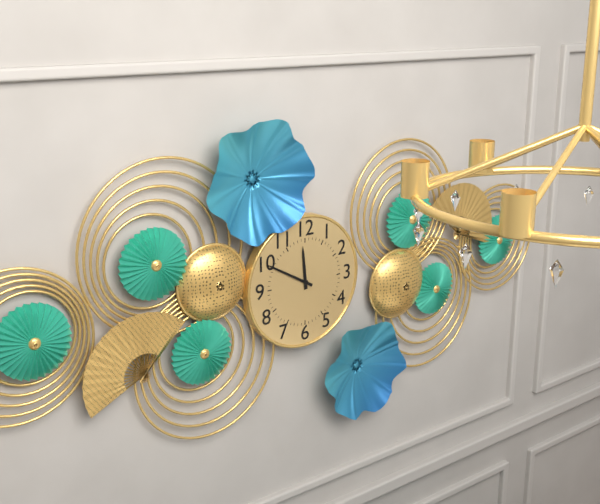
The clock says 11h50
